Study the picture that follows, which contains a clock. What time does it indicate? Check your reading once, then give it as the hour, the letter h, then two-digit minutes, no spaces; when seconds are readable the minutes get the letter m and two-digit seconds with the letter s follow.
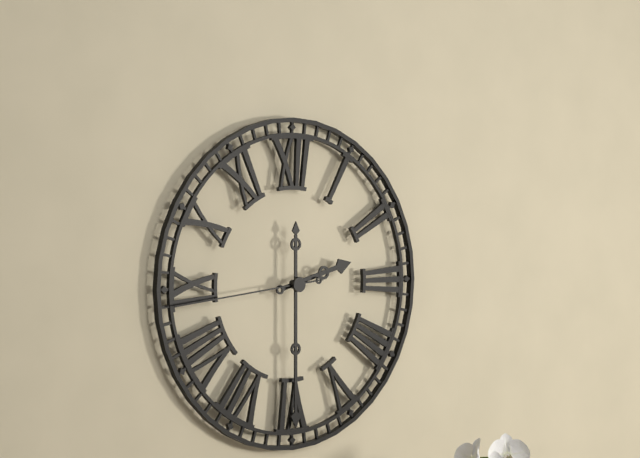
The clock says 2h30m44s
